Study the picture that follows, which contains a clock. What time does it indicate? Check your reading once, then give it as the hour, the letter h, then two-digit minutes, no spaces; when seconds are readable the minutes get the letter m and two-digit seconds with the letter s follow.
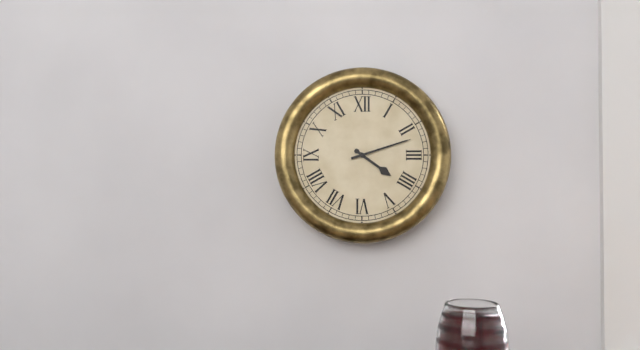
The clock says 4h12
